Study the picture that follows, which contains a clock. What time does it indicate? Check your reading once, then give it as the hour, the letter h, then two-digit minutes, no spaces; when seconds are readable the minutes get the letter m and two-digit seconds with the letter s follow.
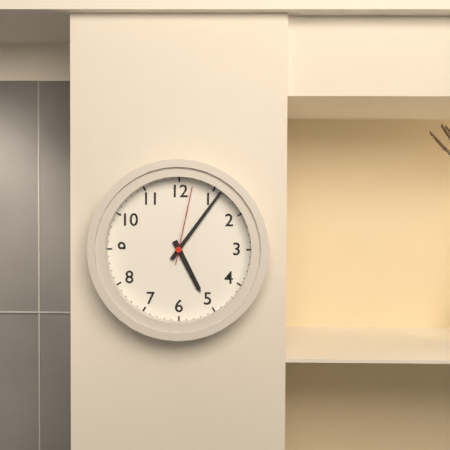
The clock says 5h06m02s
